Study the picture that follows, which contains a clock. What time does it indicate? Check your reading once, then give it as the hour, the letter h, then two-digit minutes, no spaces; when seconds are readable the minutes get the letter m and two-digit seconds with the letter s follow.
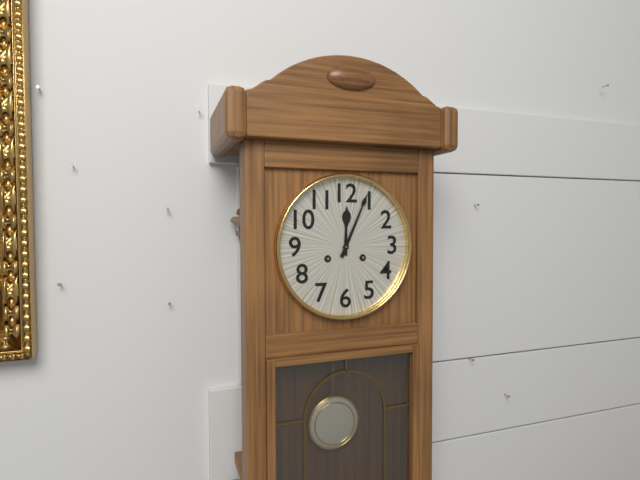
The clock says 12h04
